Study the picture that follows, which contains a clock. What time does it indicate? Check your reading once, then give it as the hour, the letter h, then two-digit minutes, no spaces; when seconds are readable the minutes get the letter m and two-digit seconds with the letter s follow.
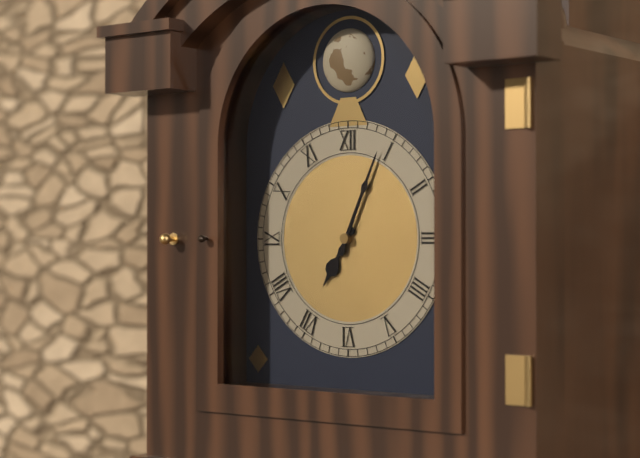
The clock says 7h04
